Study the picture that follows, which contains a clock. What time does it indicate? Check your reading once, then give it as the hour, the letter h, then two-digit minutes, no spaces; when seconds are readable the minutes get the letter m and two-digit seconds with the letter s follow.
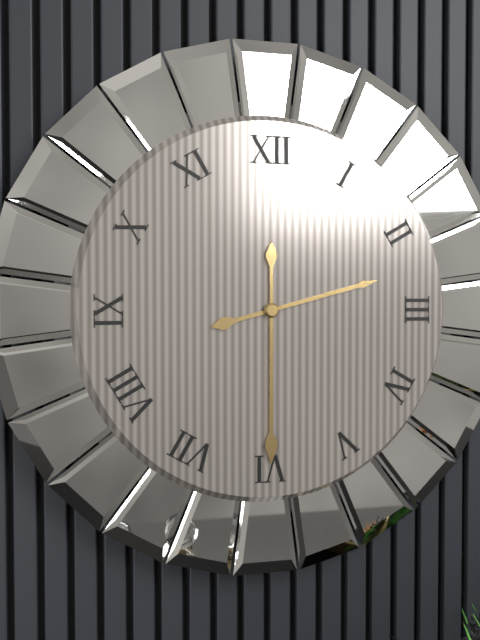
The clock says 2h30
